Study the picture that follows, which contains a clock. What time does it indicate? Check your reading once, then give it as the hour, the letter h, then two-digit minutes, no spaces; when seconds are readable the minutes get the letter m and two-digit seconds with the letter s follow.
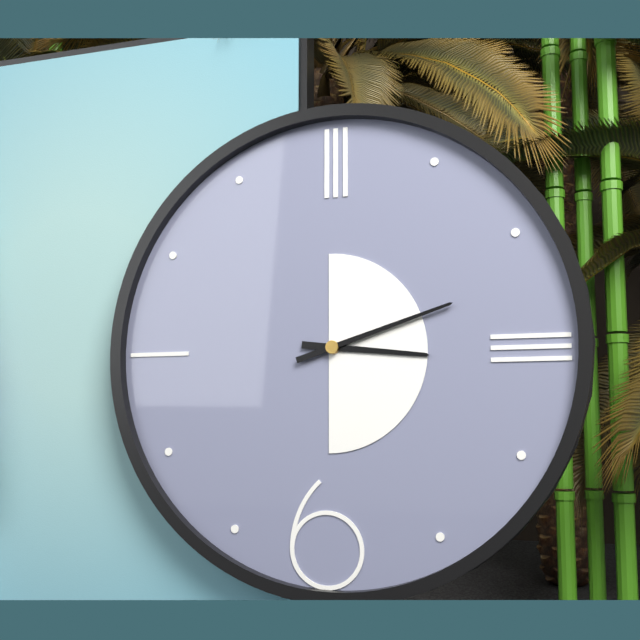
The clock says 3h12
